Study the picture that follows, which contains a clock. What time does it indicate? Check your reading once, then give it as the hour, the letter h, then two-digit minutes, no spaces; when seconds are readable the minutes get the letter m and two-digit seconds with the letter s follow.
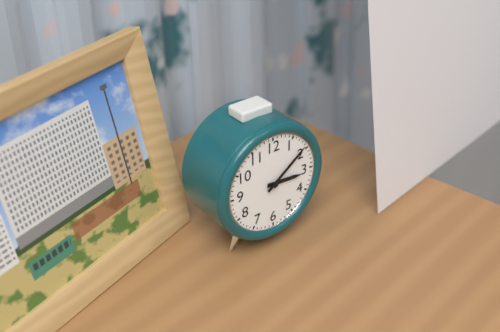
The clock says 3h09
